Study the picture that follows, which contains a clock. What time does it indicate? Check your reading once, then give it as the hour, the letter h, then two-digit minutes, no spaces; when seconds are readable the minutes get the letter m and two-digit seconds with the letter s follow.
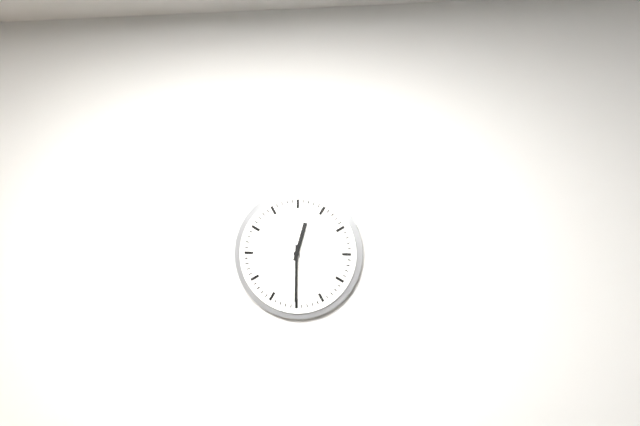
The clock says 12h30
